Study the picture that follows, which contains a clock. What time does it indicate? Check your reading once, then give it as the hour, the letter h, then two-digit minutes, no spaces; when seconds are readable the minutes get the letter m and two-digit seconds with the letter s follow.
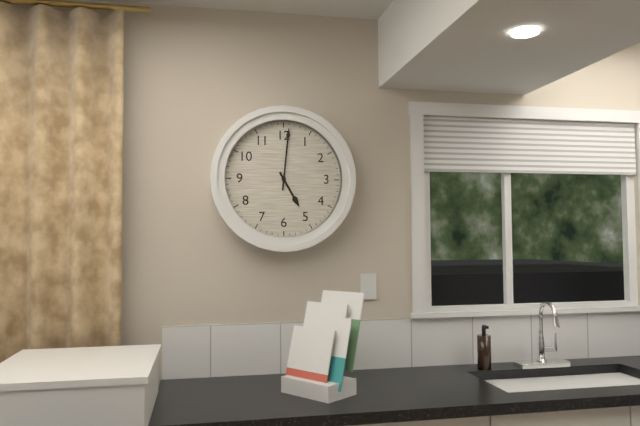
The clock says 5h01
